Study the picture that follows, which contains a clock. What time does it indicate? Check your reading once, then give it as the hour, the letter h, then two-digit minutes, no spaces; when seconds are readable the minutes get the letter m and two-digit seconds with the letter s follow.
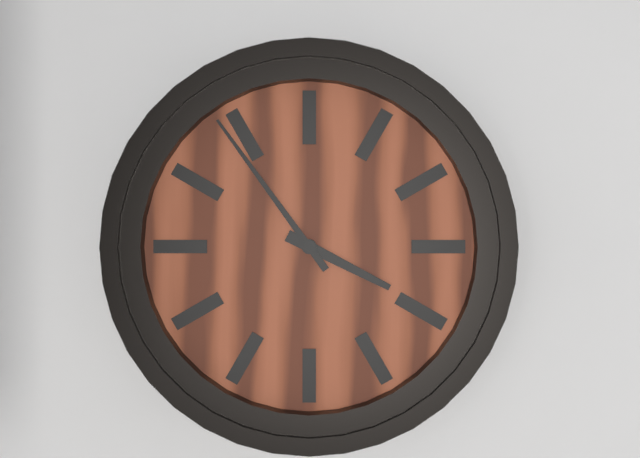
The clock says 3h54
